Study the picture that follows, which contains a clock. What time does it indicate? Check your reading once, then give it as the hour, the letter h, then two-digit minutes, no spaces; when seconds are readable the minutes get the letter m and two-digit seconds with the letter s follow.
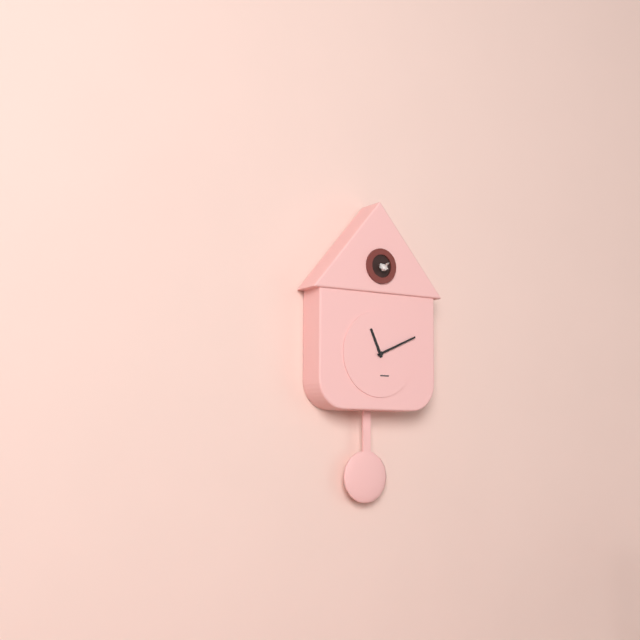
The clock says 11h11
